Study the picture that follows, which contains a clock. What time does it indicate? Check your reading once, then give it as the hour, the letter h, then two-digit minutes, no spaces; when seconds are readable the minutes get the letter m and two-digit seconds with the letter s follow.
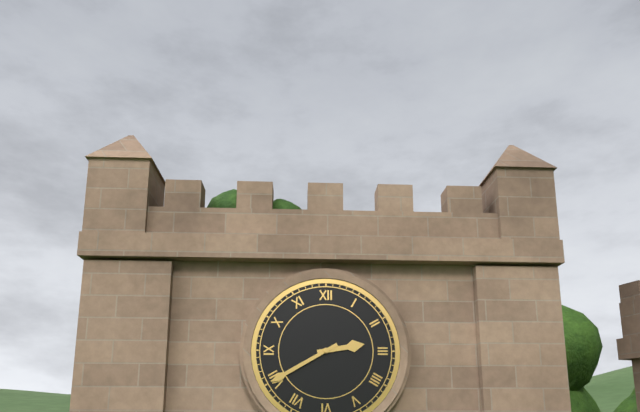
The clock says 2h40
